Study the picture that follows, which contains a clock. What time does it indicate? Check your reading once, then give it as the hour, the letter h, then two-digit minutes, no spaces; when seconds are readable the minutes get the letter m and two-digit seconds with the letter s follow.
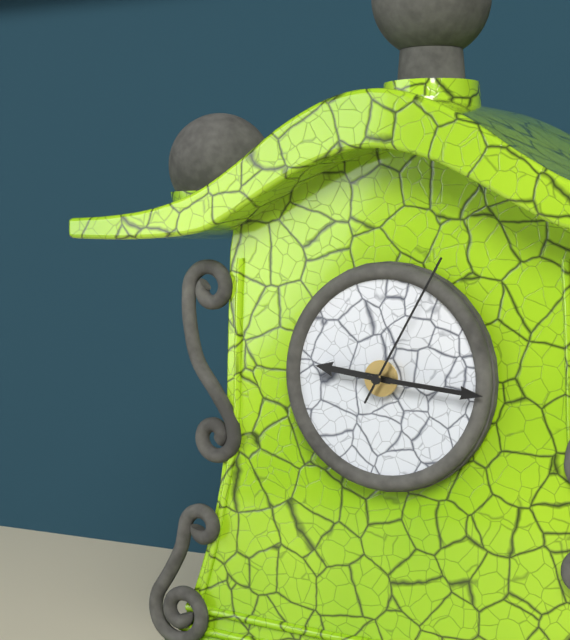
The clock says 9h16m05s
